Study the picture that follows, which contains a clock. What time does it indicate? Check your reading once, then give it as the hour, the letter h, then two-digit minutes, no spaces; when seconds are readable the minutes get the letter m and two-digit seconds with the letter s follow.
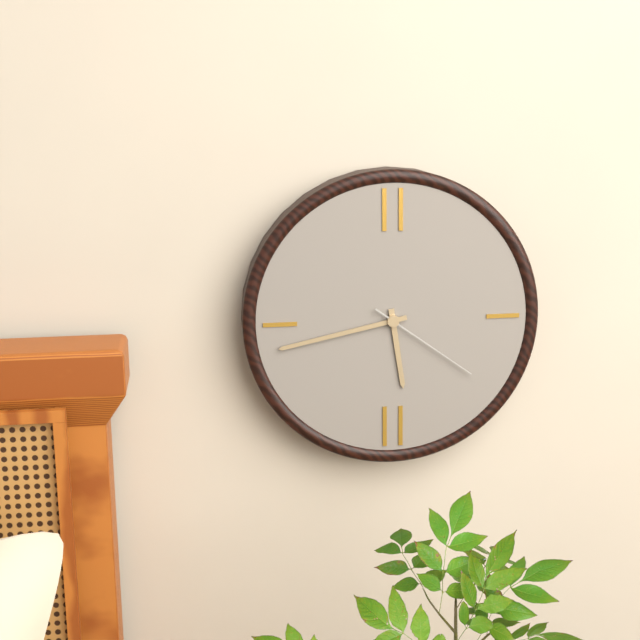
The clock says 5h43m21s
